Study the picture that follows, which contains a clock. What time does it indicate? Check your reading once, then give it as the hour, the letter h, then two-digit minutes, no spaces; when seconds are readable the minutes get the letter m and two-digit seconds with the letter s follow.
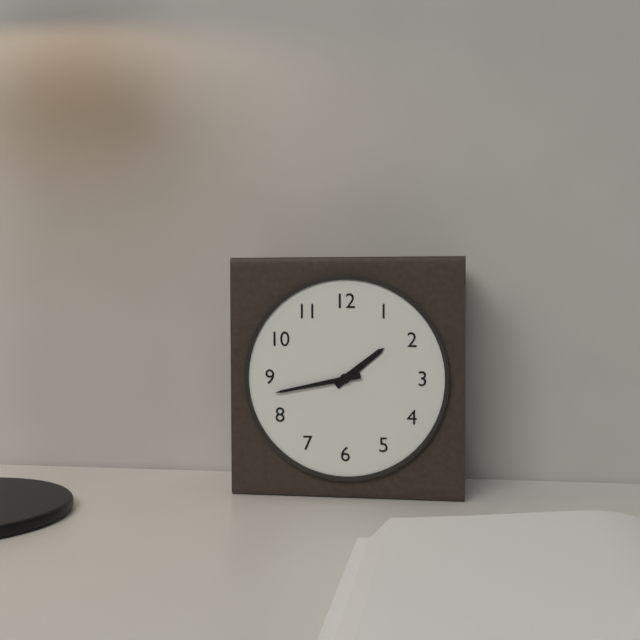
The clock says 1h43
